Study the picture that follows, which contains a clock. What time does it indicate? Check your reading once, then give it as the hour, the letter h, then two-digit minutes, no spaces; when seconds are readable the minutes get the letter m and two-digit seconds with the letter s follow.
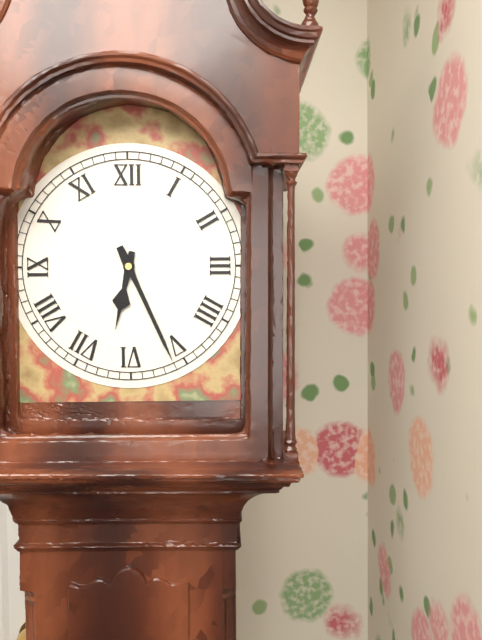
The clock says 6h26
